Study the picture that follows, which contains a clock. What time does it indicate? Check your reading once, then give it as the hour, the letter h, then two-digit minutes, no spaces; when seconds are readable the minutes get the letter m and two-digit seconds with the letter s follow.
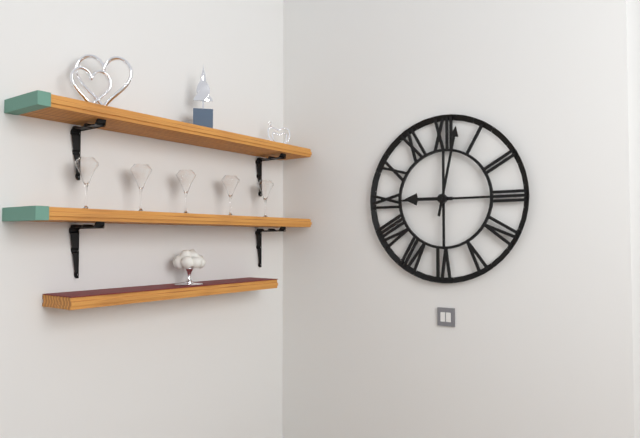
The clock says 9h02
